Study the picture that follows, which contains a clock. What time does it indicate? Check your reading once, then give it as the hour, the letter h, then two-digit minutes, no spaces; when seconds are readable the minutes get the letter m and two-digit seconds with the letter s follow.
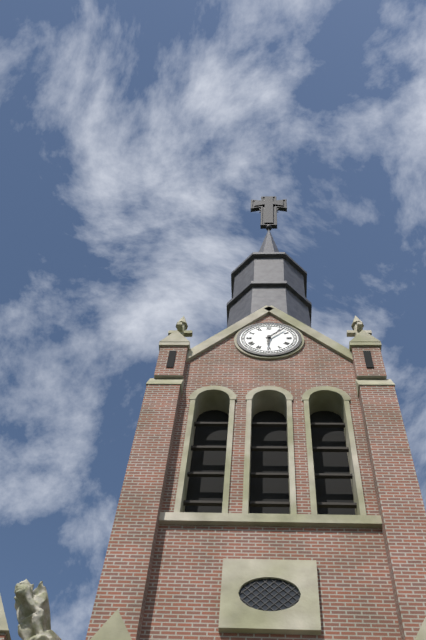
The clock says 6h07
